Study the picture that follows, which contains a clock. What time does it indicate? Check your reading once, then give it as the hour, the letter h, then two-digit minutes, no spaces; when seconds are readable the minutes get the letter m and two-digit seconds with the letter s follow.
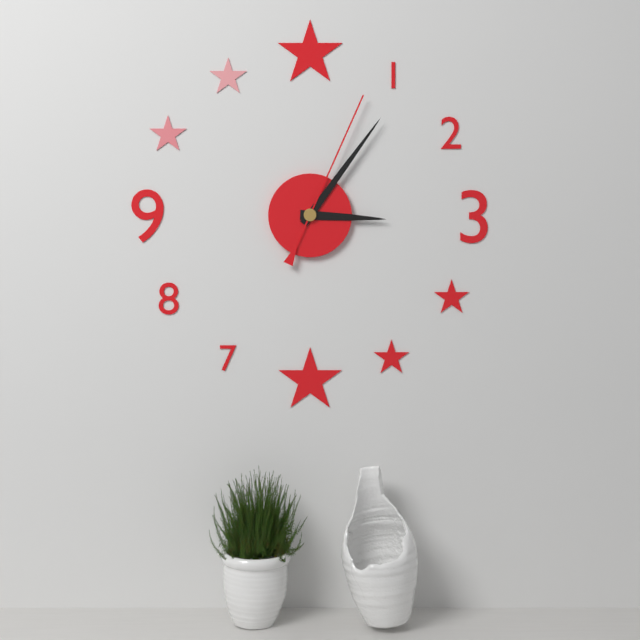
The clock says 3h06m04s
